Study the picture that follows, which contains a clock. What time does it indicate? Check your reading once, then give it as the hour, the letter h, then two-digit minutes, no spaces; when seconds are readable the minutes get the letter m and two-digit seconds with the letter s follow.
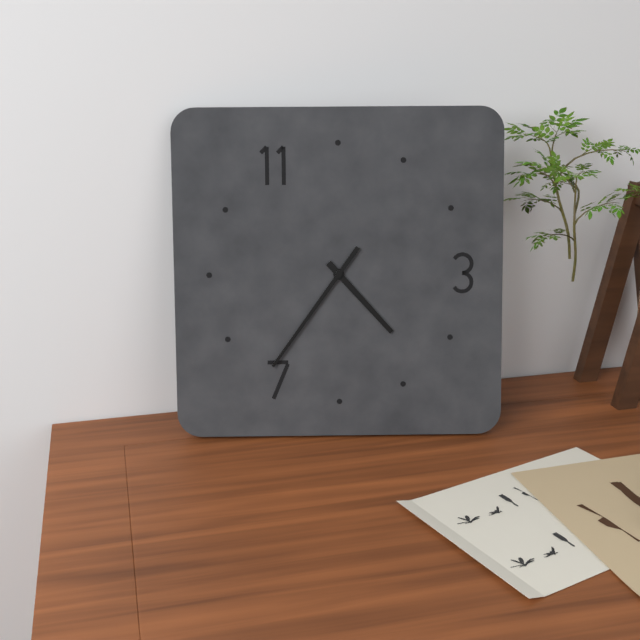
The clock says 4h36
